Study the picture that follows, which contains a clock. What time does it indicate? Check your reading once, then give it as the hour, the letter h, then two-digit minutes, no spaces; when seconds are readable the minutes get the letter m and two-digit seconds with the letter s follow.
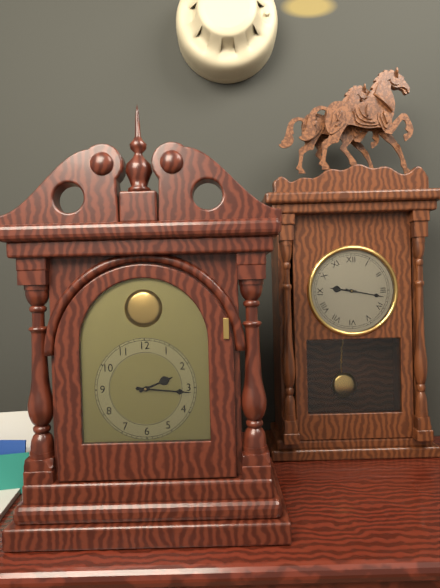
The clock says 2h16
